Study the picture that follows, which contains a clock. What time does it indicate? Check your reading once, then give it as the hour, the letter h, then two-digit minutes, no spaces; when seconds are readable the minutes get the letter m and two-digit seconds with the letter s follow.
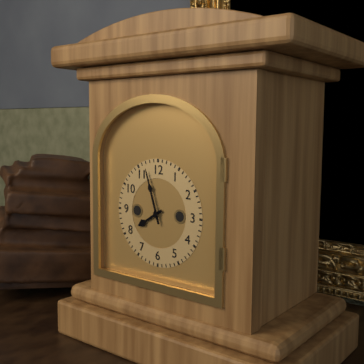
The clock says 7h57
